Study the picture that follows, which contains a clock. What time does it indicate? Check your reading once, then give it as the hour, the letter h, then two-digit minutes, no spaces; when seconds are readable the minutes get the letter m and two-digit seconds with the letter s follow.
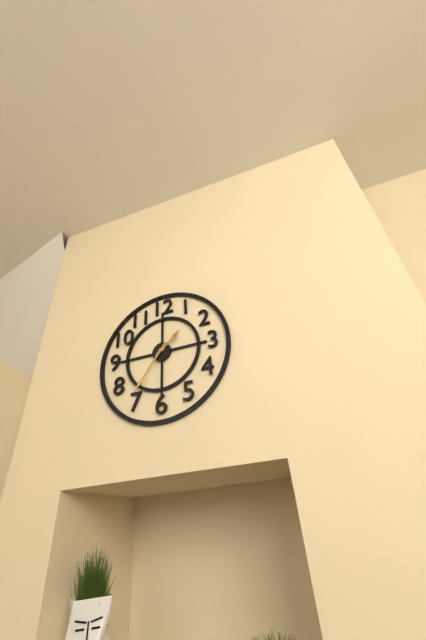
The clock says 1h36
